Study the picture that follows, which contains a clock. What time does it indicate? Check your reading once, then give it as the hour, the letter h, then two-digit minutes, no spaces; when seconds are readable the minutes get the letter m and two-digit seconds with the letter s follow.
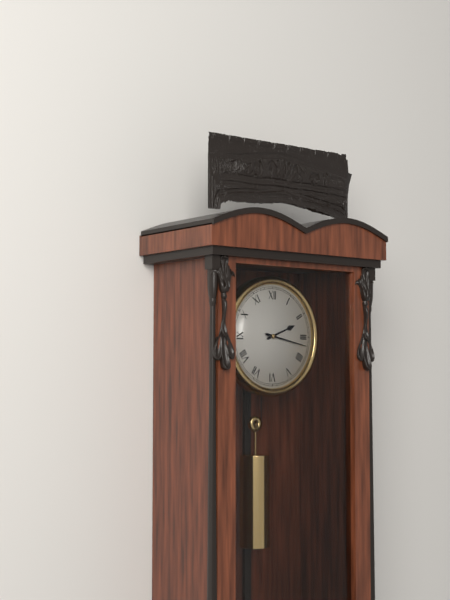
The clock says 2h17
